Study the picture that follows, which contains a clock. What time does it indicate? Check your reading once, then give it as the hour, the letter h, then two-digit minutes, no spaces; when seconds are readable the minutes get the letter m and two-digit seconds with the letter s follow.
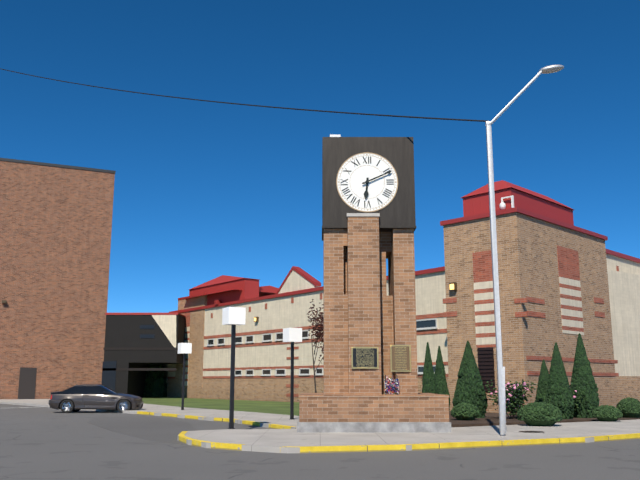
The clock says 6h11
